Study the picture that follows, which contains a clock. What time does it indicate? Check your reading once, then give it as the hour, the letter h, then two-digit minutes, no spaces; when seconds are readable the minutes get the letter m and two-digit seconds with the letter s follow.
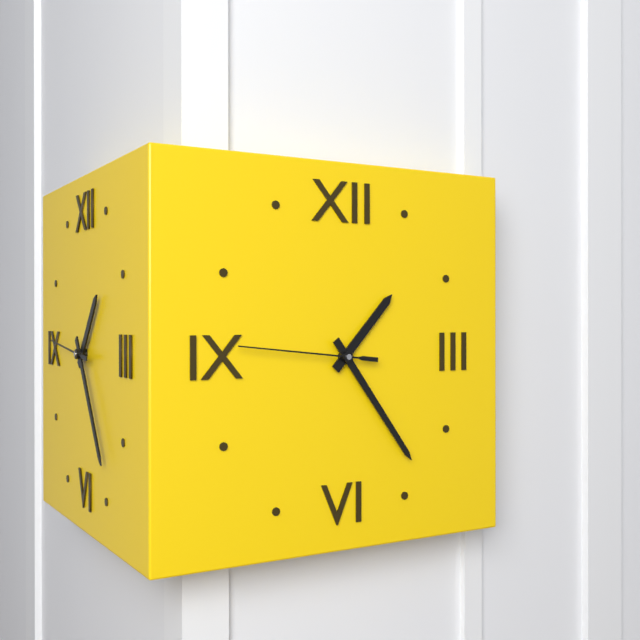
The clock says 1h24m46s
